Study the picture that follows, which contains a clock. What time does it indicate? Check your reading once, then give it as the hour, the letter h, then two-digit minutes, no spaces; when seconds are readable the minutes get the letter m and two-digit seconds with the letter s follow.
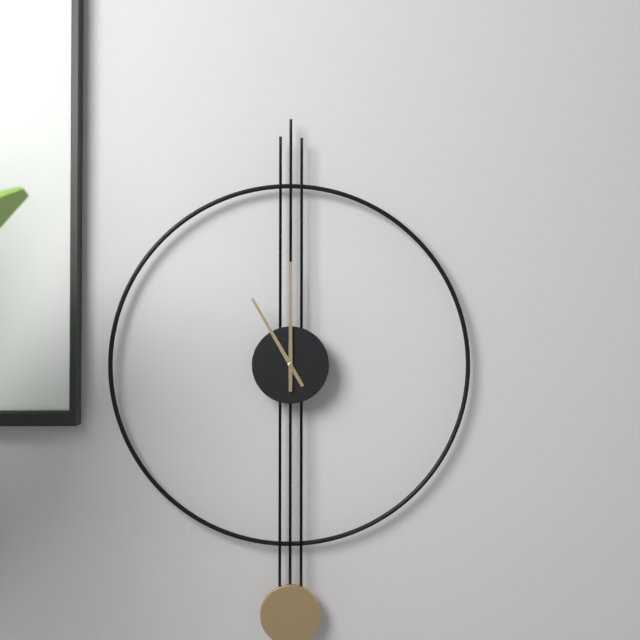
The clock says 11h00
